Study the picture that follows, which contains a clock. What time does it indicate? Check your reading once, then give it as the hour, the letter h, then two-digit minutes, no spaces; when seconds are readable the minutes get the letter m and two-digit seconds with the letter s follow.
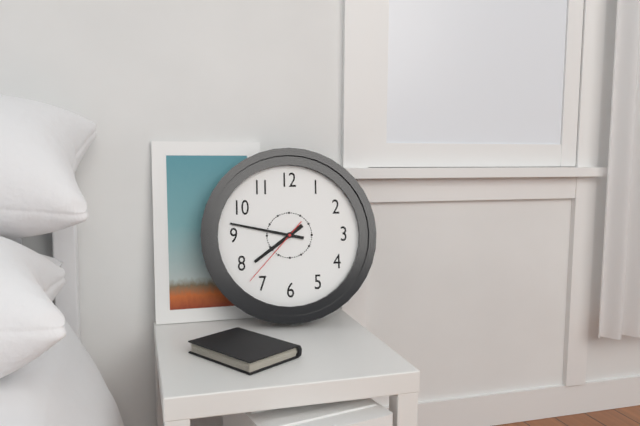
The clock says 7h47m37s
